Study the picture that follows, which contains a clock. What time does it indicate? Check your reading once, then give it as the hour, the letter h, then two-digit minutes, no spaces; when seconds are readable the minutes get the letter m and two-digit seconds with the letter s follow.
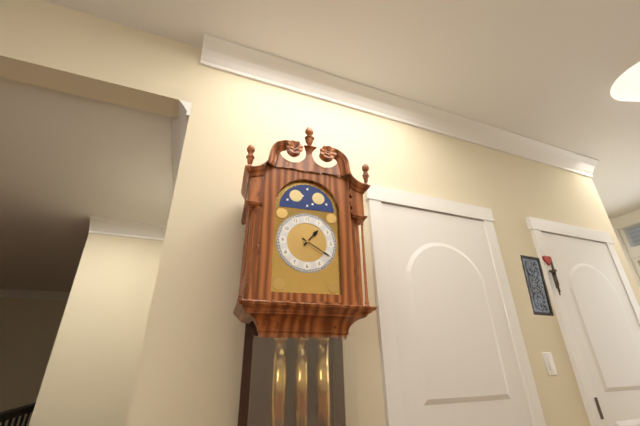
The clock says 1h20
